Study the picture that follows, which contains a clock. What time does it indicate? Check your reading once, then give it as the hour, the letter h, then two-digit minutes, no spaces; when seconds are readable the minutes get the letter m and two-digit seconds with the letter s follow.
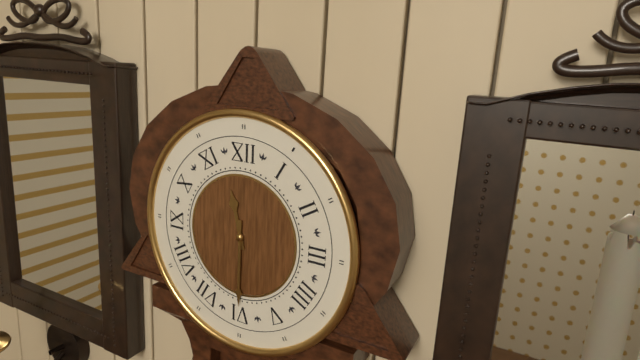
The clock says 11h30
